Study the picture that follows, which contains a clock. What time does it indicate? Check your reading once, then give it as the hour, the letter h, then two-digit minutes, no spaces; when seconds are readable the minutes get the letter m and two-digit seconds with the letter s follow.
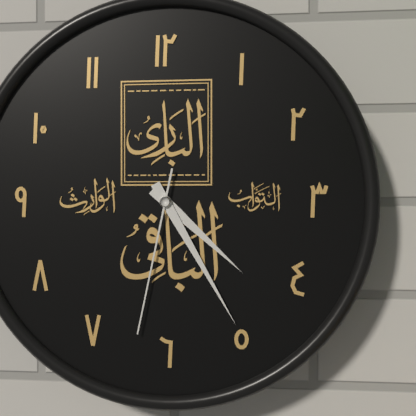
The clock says 4h25m32s
